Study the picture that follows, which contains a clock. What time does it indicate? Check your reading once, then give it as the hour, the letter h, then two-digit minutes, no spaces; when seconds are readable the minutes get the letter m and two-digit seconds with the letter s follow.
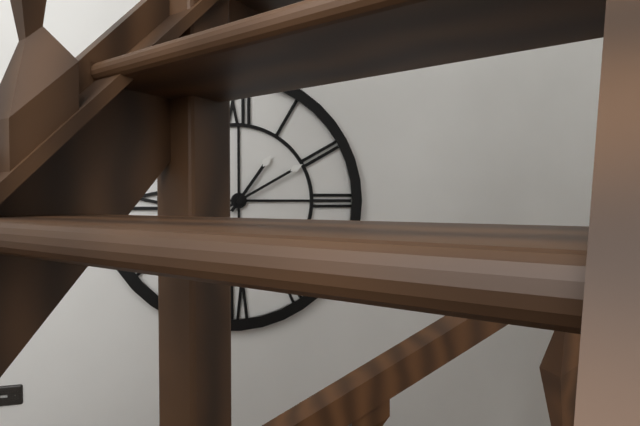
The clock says 1h10
